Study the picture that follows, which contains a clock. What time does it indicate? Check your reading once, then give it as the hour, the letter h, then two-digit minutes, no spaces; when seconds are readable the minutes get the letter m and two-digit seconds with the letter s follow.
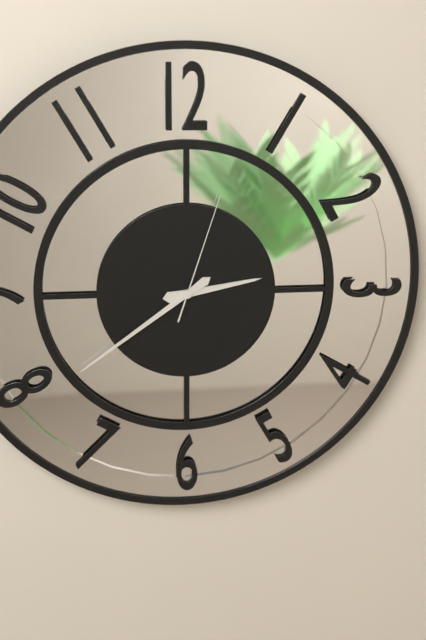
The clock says 2h39m03s
